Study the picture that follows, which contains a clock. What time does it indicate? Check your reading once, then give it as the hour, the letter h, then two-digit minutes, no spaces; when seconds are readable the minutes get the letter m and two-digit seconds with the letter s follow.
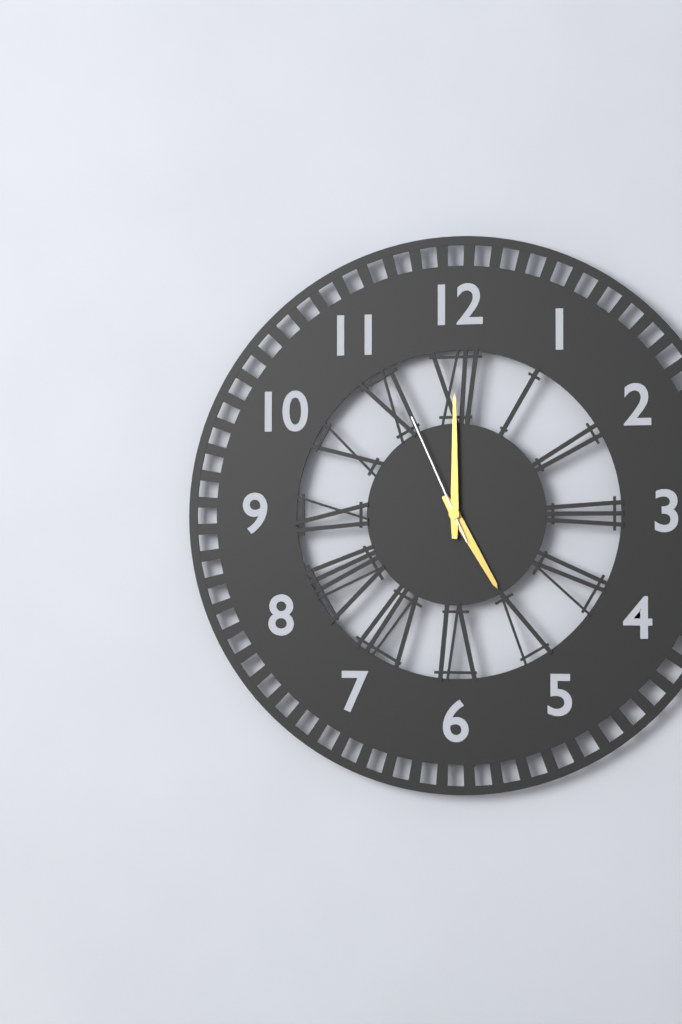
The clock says 5h00m56s
